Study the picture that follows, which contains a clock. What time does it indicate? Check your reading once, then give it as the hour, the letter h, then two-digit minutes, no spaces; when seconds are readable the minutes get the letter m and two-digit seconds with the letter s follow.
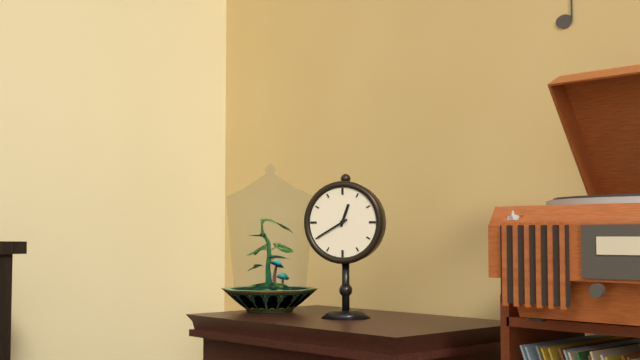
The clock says 12h40
